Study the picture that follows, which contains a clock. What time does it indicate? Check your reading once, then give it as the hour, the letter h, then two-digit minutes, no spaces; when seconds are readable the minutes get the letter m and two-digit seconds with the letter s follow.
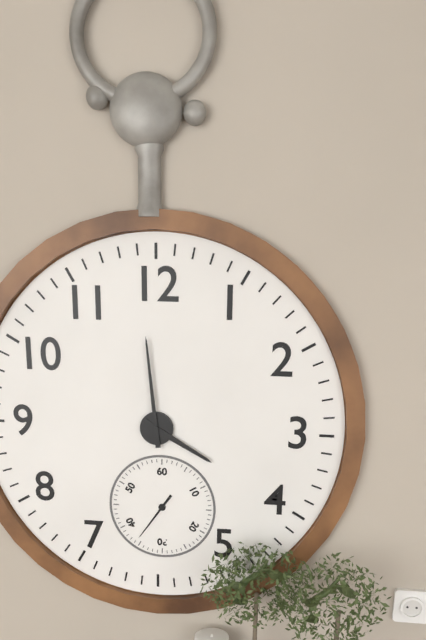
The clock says 3h59
